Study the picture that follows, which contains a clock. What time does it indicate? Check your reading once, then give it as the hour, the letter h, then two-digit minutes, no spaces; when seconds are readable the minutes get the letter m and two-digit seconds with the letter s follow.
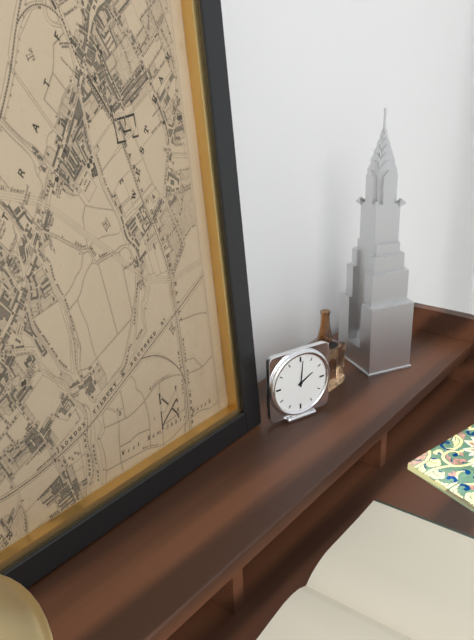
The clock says 2h01
